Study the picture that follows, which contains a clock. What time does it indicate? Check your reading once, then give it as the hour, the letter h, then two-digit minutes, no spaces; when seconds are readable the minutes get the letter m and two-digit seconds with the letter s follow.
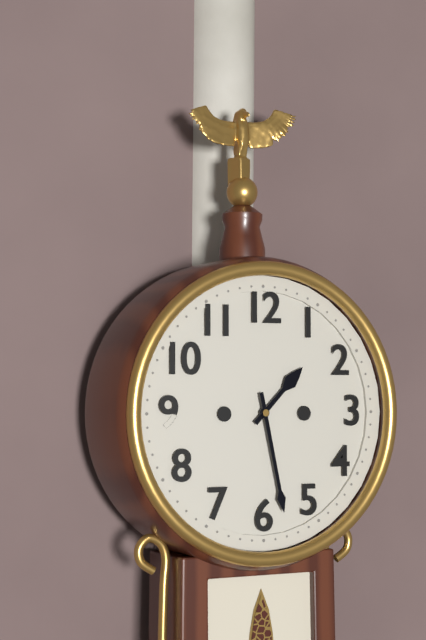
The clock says 1h28
